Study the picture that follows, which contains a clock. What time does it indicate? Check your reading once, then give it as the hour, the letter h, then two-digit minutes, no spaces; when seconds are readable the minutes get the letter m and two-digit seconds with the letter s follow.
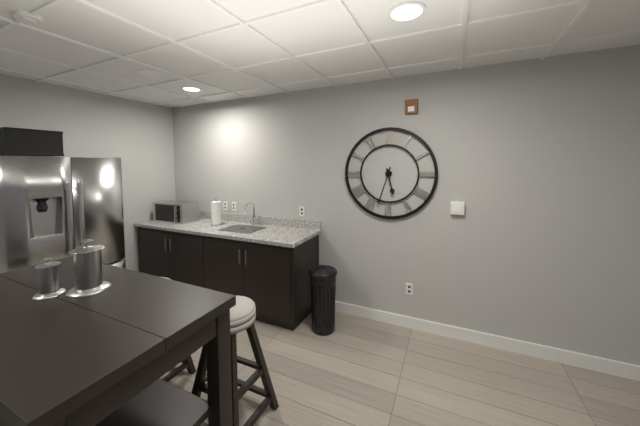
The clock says 5h33
